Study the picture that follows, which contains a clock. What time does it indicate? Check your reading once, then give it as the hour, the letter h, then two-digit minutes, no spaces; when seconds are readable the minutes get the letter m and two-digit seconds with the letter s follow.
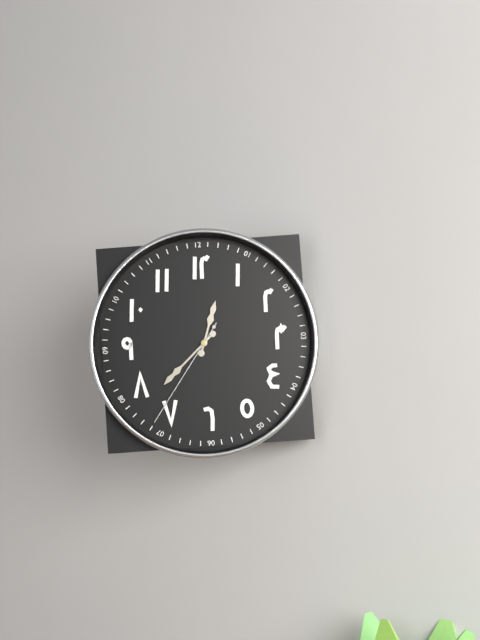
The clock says 12h38m36s
